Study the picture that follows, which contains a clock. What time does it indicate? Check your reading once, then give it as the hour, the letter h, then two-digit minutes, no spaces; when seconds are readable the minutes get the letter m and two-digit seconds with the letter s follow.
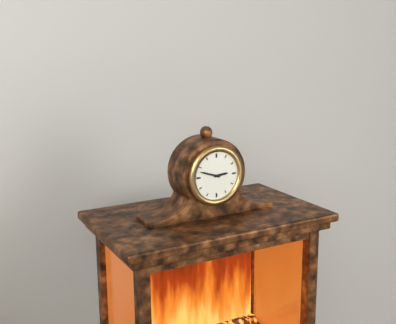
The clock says 2h48
